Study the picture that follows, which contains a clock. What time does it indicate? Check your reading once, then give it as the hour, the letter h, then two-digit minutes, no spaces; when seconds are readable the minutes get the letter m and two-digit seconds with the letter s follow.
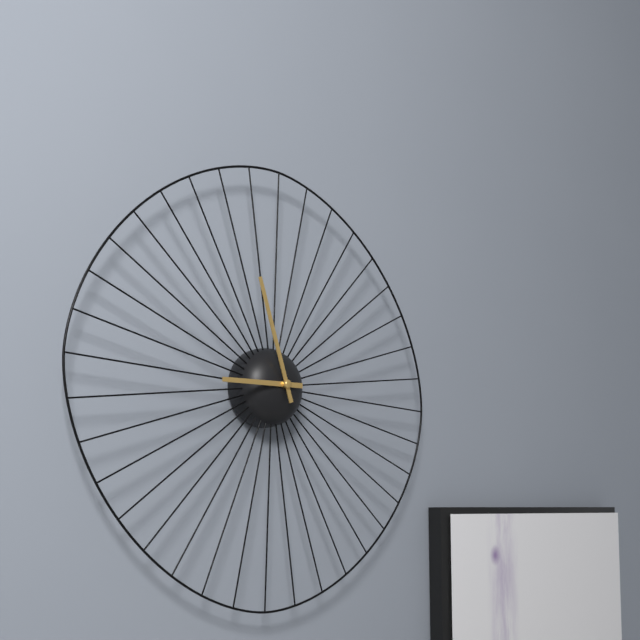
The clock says 8h57
